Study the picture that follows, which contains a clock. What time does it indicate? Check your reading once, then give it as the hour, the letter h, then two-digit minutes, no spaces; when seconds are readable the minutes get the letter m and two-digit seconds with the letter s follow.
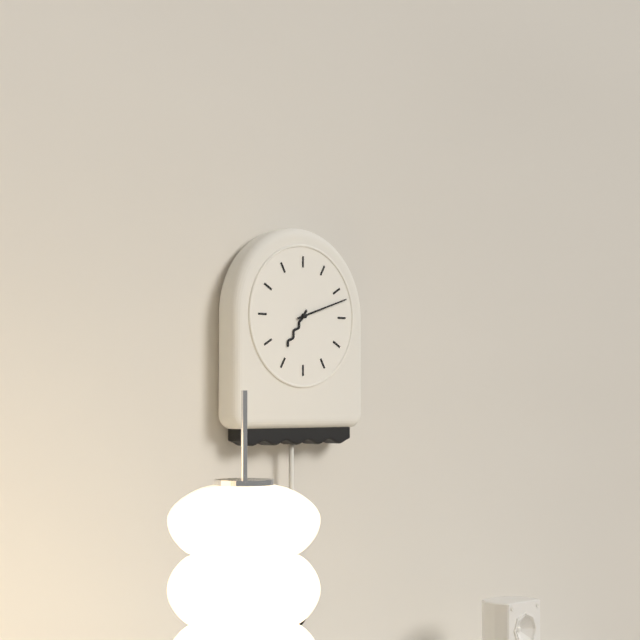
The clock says 7h12
